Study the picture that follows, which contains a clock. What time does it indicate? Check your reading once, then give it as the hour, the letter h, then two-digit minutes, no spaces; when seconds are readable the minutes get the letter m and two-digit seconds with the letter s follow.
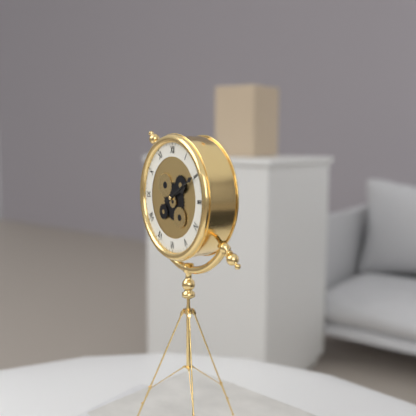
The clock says 2h10
